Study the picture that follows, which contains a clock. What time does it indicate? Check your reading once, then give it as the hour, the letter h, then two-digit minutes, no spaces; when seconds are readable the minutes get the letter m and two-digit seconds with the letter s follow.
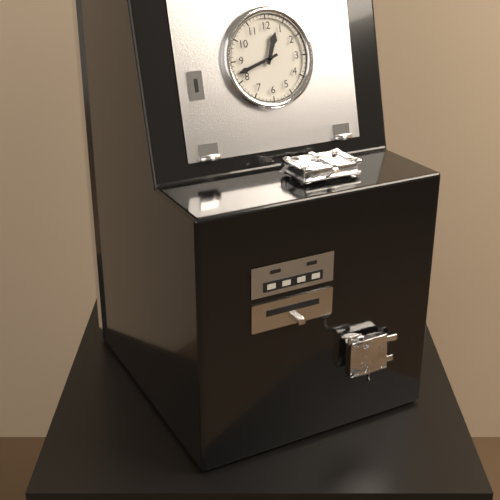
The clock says 12h42
